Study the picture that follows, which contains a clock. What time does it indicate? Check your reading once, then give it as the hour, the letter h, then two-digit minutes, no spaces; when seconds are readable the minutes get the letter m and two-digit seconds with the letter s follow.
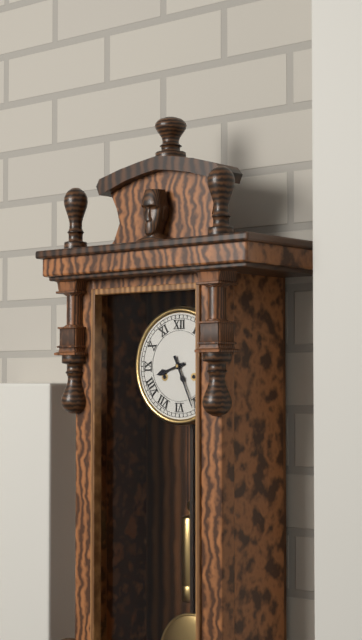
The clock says 8h26
